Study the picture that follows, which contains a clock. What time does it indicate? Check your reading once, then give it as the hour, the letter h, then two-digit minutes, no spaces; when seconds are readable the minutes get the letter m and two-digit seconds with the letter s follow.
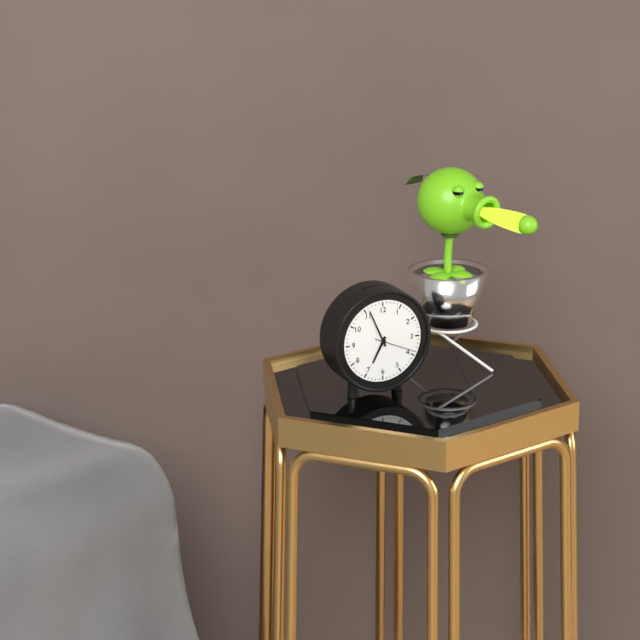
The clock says 6h56
